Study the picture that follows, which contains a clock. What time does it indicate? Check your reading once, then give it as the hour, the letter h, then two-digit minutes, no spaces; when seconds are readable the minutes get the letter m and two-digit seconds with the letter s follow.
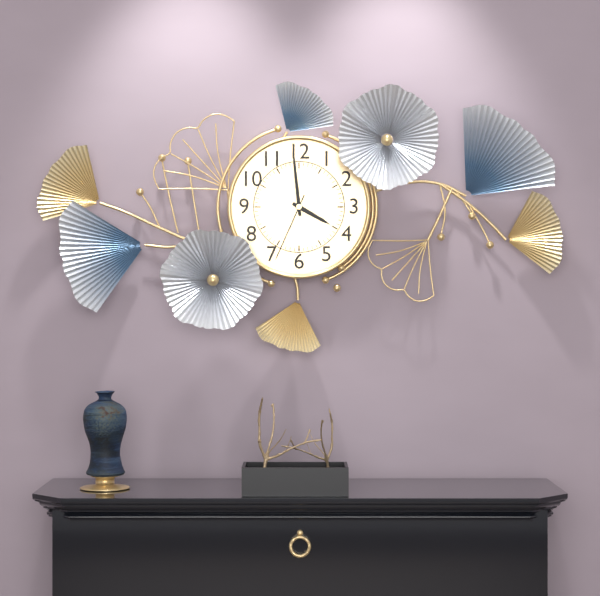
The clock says 3h59m34s
